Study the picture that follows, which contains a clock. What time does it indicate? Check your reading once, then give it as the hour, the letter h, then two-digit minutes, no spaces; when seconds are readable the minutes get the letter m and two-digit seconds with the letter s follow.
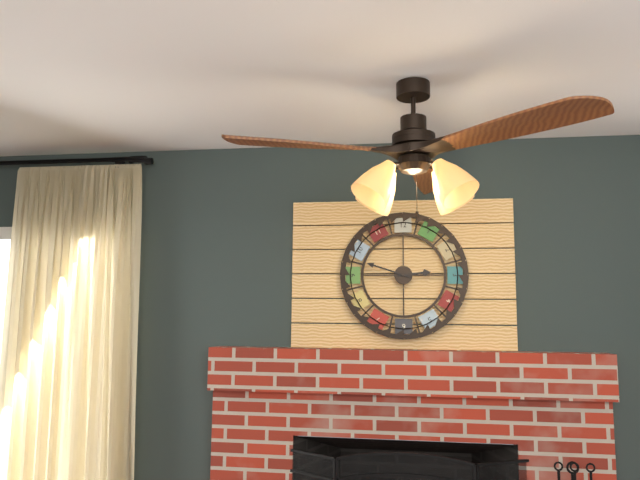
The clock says 2h48
